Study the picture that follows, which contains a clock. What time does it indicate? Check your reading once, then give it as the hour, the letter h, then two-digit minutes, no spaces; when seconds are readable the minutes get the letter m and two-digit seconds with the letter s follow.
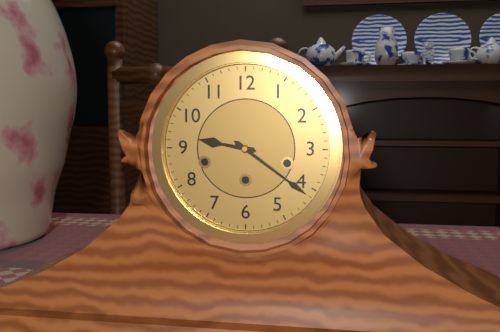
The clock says 9h21
